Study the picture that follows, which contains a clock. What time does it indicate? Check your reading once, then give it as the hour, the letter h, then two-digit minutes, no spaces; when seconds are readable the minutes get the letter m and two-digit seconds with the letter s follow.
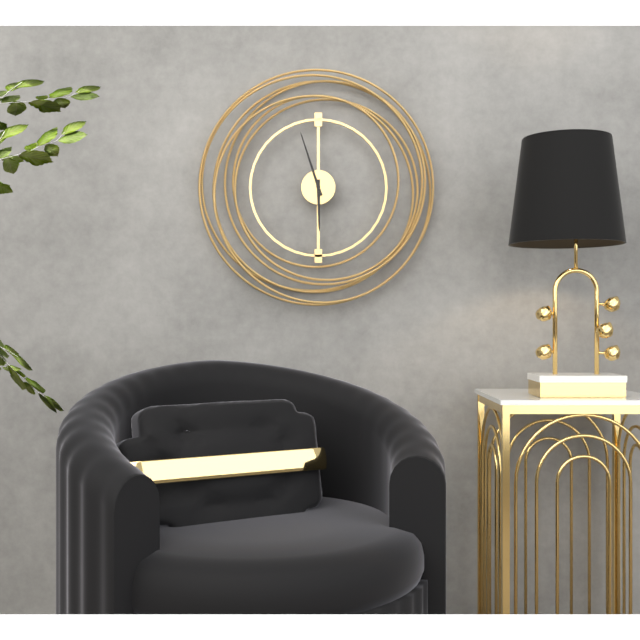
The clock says 5h57
